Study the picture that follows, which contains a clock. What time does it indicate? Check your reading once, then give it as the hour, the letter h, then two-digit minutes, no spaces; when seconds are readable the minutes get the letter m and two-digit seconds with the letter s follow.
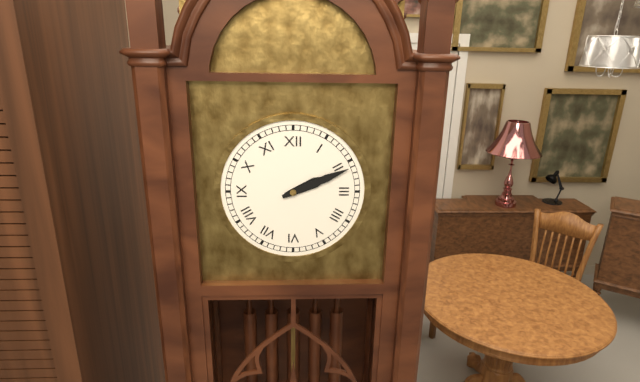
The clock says 2h11
